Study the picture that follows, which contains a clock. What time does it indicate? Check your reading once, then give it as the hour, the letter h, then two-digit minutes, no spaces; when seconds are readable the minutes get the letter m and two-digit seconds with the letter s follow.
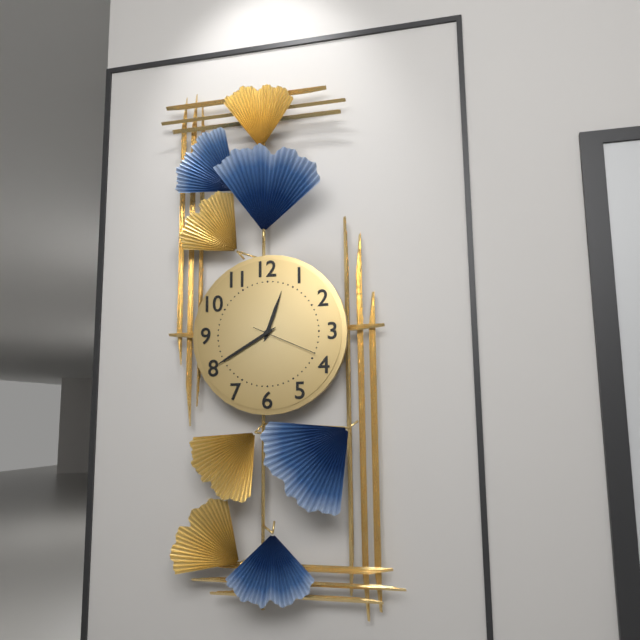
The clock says 12h40m19s
